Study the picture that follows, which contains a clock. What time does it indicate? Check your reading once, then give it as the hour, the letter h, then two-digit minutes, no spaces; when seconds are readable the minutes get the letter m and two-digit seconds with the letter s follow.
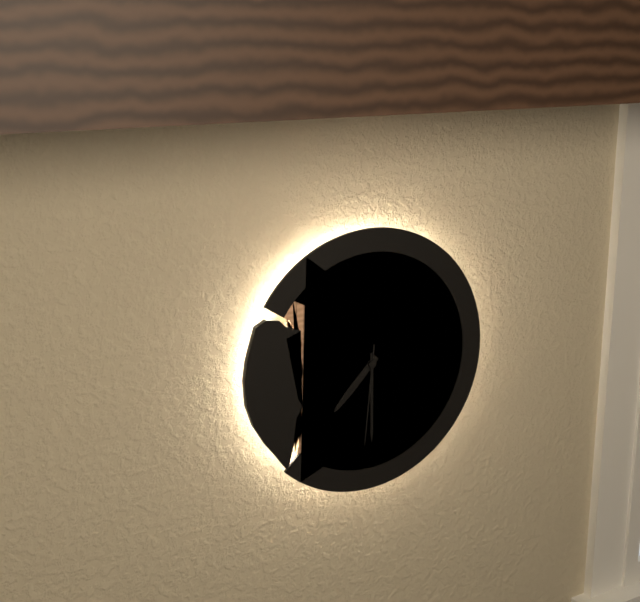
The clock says 7h30m31s
